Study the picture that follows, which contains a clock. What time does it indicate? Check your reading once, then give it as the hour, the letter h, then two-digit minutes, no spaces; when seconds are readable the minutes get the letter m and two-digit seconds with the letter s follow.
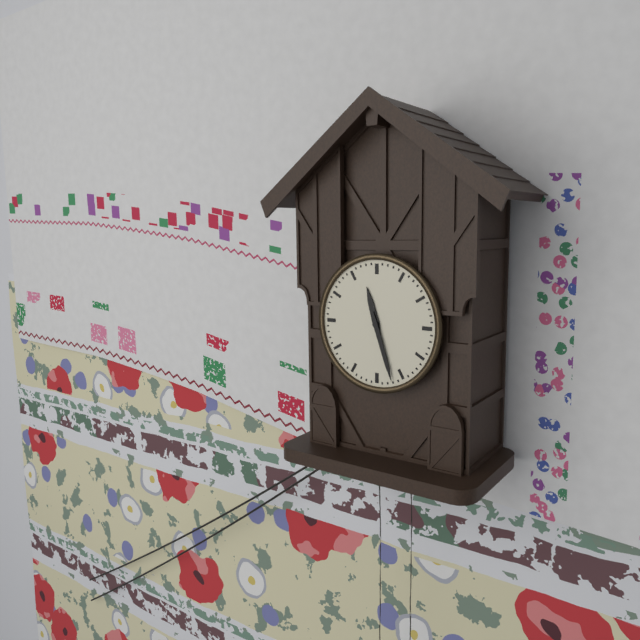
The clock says 11h27
